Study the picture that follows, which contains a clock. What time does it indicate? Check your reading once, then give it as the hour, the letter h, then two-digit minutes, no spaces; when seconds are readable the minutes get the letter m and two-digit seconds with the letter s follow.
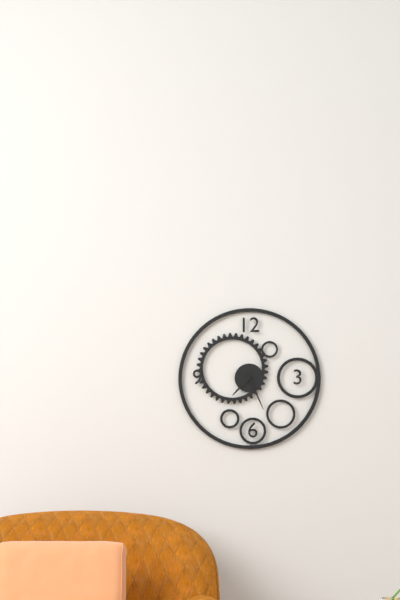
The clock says 7h26
